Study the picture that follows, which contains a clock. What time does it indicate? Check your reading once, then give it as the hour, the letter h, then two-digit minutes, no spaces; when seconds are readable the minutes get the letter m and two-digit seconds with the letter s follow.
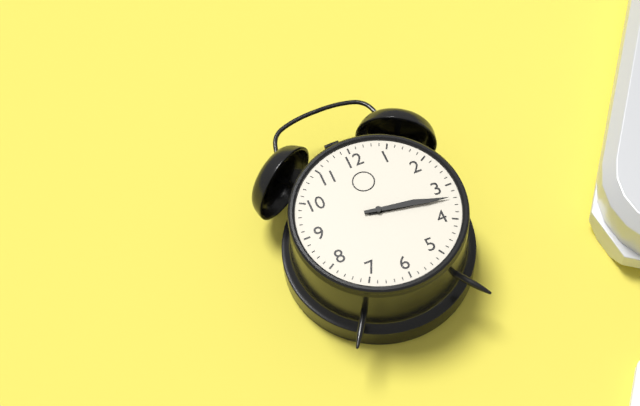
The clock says 3h17
